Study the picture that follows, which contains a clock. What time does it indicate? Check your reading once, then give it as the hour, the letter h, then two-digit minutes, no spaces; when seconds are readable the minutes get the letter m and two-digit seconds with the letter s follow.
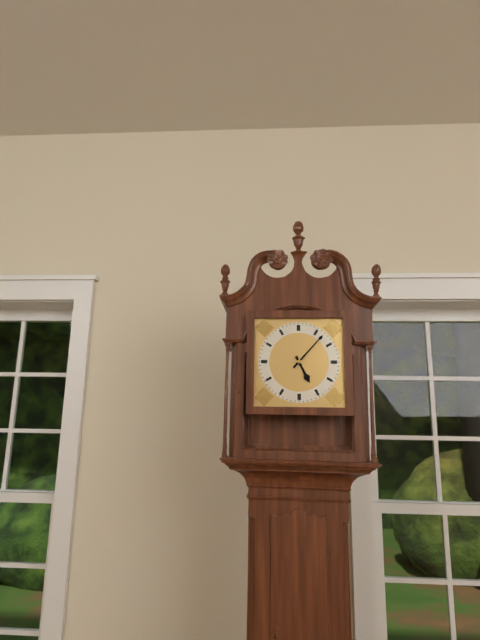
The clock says 5h07
